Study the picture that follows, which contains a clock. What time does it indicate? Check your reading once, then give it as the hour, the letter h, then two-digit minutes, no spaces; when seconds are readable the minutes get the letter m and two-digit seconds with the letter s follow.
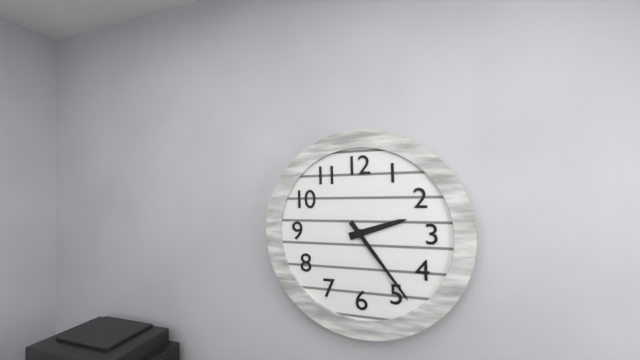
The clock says 2h24
